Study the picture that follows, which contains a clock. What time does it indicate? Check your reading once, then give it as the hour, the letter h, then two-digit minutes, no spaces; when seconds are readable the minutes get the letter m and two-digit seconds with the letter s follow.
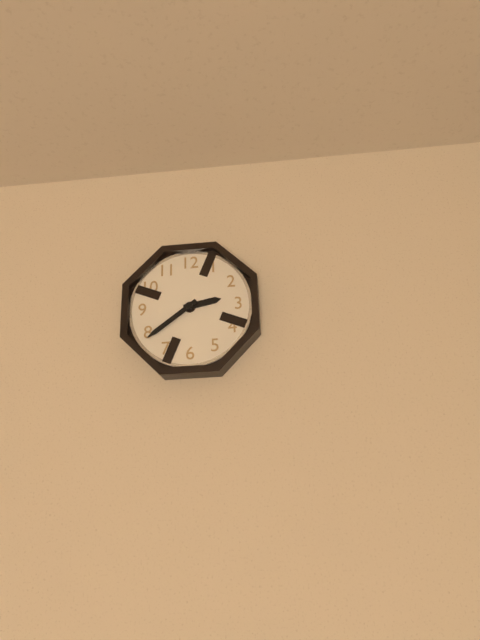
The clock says 2h39
